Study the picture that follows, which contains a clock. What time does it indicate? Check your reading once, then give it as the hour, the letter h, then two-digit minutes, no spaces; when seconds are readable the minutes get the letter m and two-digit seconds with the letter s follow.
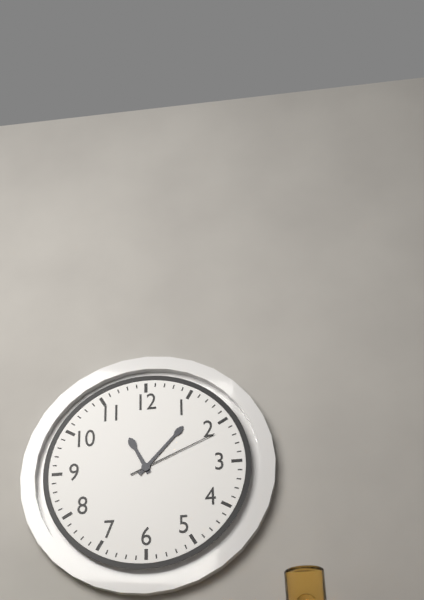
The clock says 11h07m11s
